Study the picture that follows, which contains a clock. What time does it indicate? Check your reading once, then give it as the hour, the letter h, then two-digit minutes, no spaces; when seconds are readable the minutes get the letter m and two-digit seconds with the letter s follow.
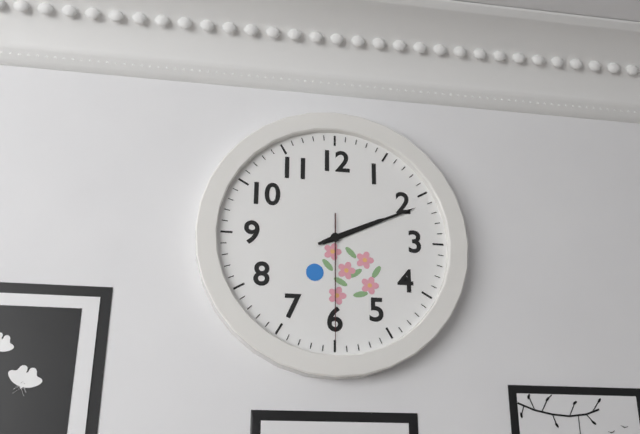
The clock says 2h11m30s
